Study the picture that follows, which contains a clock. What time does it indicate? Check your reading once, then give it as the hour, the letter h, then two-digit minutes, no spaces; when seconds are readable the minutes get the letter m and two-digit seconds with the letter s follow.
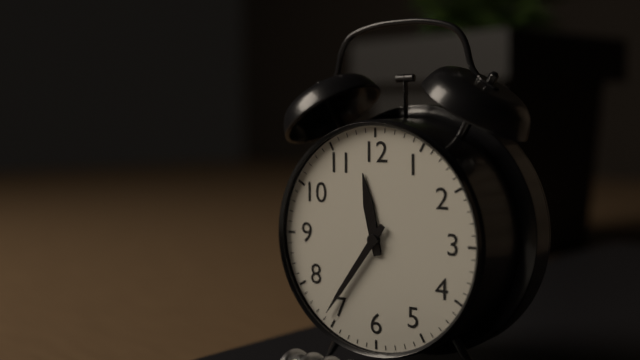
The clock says 11h36
